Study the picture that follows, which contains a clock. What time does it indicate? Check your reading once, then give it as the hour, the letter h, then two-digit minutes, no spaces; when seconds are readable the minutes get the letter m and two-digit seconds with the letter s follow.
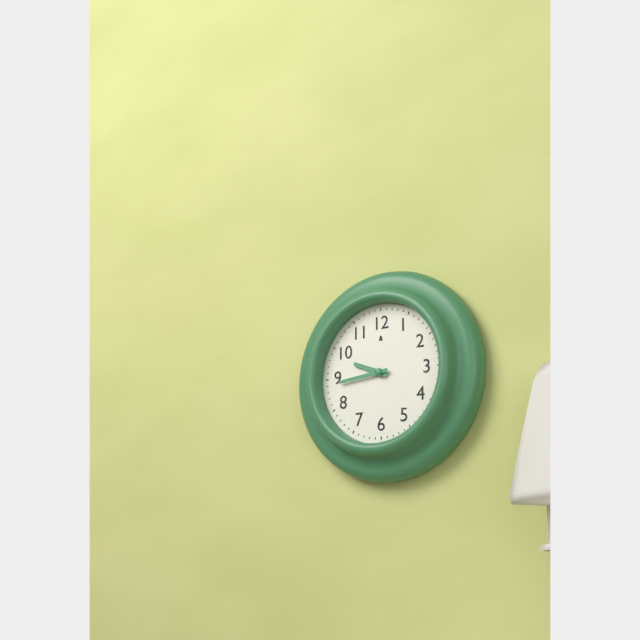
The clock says 9h44
